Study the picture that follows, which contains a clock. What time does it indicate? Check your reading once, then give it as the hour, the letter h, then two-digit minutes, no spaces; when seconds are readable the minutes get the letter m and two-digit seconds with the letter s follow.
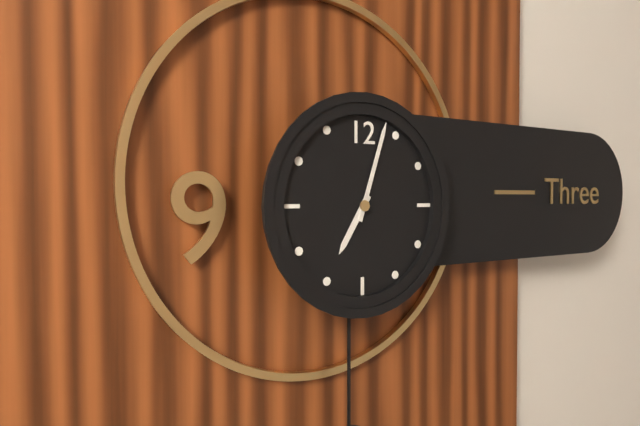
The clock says 7h03
